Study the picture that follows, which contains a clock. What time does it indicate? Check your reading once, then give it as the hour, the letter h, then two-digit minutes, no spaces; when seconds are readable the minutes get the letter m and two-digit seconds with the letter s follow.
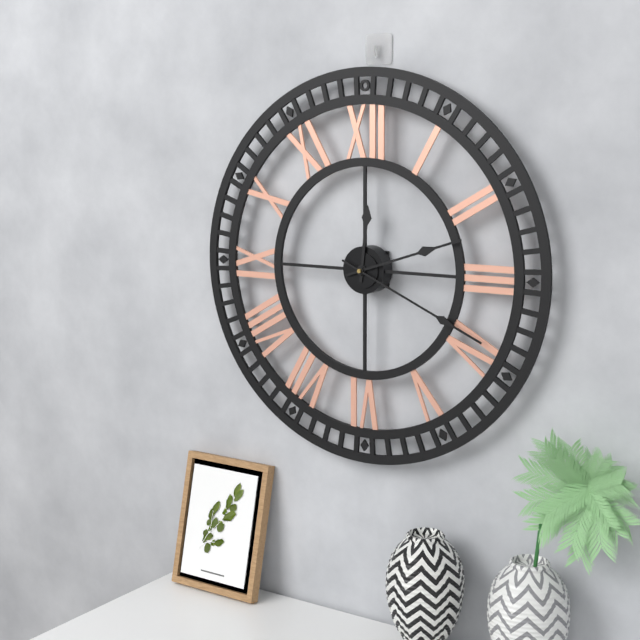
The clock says 12h12m19s
